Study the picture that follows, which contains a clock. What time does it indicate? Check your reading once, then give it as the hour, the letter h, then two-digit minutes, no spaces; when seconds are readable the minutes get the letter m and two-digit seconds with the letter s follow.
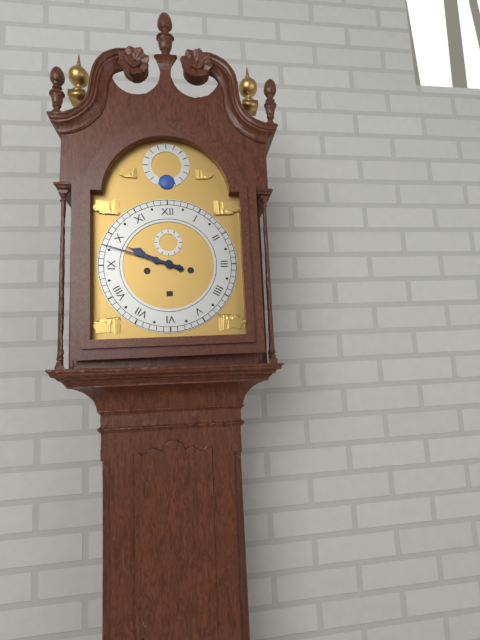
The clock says 9h48
